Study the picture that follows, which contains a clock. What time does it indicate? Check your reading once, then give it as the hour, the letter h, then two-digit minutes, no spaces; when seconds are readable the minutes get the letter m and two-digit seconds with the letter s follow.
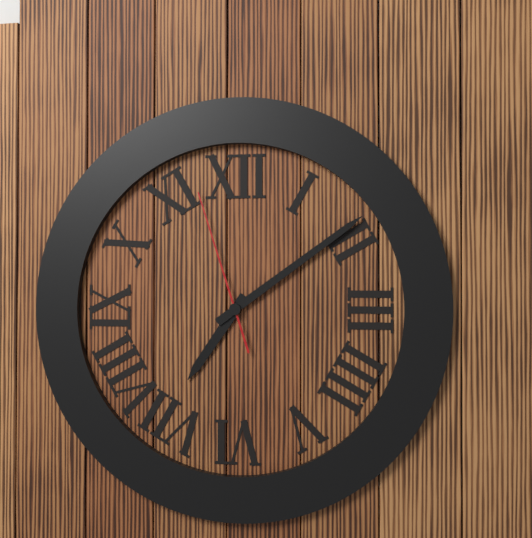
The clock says 7h09m57s
